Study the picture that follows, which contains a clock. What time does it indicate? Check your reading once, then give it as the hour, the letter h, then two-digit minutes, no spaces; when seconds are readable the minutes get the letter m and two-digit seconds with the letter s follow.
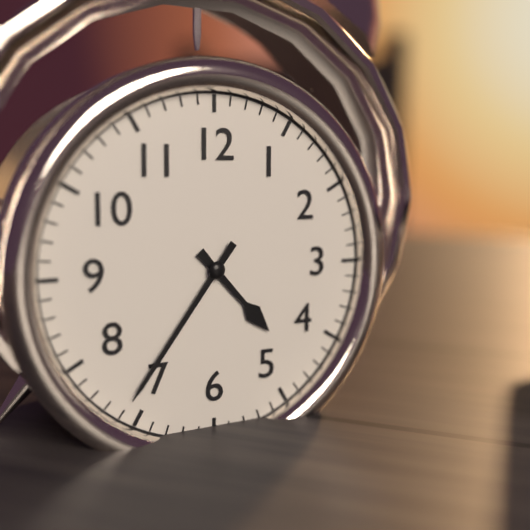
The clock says 4h36
